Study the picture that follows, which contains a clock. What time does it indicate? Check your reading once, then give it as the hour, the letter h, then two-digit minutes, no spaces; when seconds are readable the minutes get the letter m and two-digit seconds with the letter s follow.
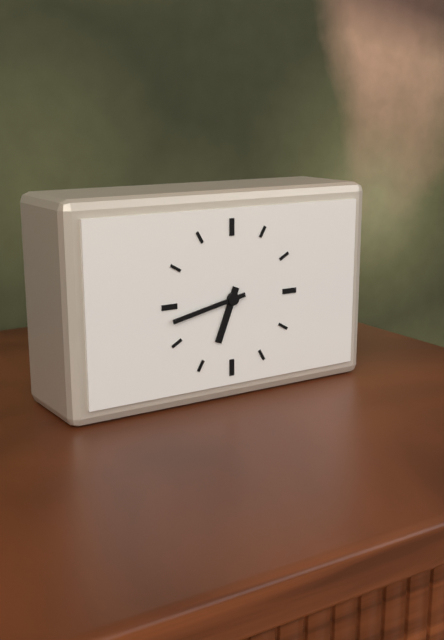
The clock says 6h43
